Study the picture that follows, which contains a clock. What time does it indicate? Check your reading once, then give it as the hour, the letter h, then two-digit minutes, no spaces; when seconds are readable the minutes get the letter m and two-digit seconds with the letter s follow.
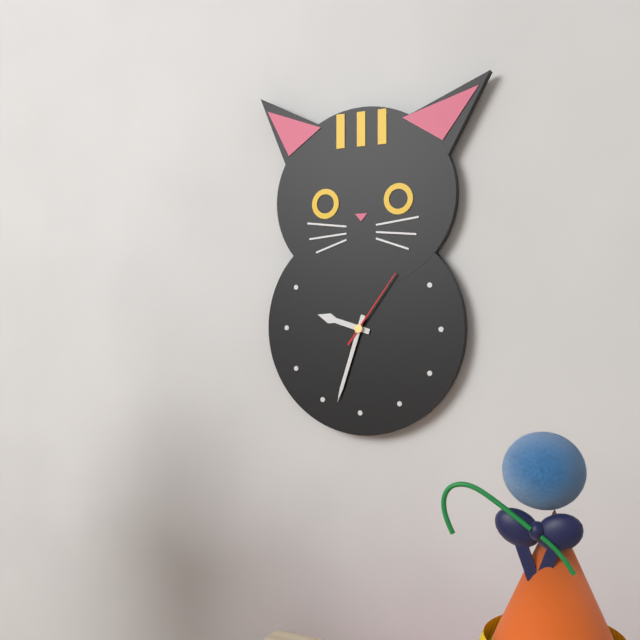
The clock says 9h33m06s
